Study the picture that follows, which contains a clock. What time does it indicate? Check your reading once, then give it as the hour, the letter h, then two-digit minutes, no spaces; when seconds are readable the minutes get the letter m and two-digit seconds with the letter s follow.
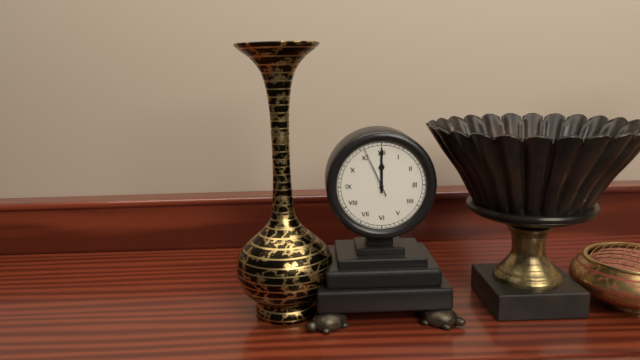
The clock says 12h00m56s
